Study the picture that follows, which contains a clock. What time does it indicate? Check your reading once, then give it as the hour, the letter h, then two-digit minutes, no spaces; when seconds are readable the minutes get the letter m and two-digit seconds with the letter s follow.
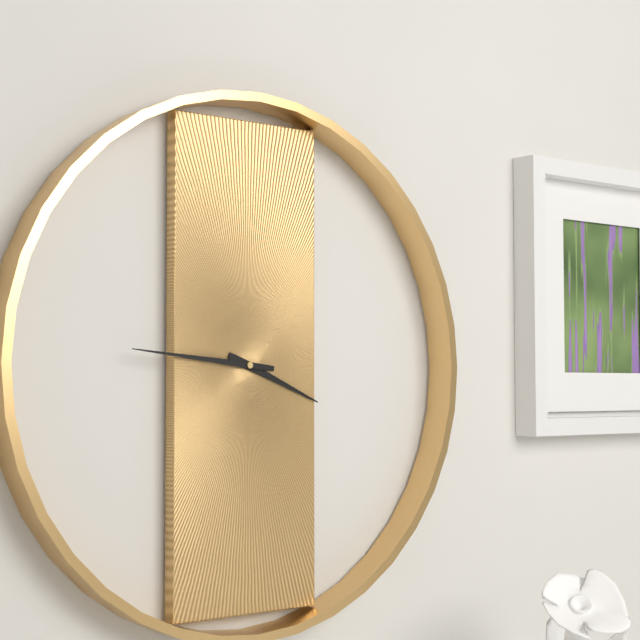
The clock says 3h46
